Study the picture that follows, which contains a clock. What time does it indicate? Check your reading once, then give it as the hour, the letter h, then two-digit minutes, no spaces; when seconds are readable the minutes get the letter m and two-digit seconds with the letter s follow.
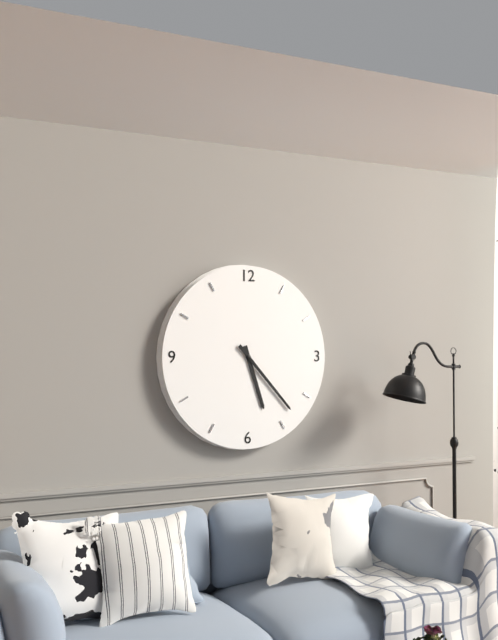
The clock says 5h23
